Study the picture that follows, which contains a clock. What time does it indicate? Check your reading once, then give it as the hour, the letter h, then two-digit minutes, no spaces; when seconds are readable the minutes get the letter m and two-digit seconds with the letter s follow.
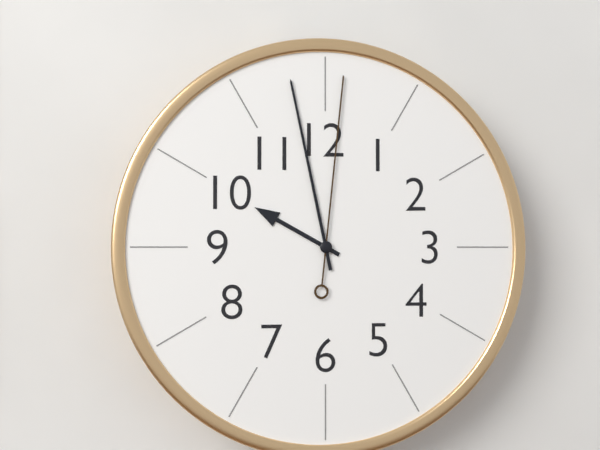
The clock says 9h58m01s
